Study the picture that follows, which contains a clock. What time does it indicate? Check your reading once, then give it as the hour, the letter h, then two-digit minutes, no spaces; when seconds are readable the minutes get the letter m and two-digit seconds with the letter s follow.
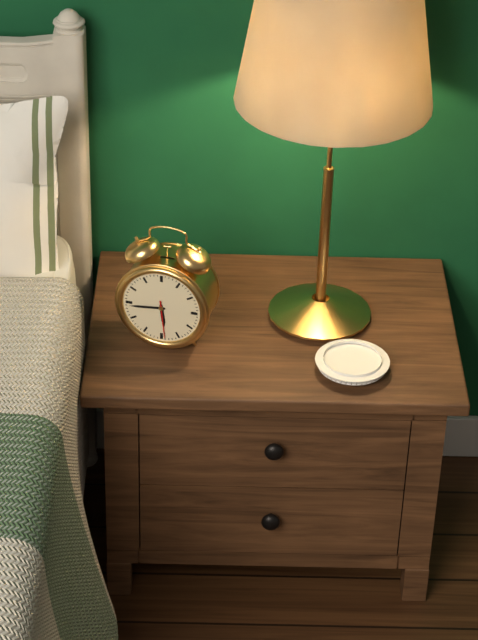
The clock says 5h44
